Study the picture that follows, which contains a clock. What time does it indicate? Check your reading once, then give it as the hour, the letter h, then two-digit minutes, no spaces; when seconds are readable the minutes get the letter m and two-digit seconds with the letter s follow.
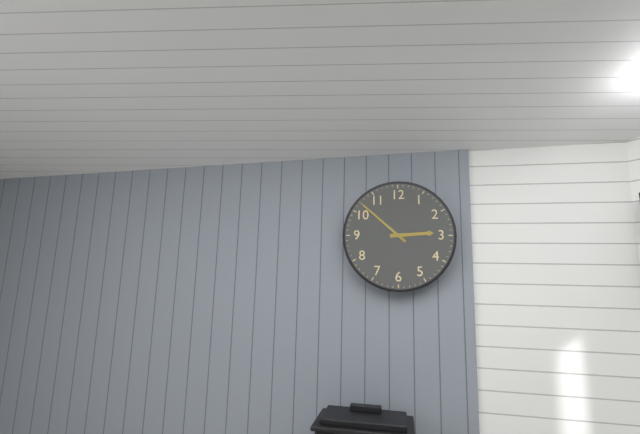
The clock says 2h52
